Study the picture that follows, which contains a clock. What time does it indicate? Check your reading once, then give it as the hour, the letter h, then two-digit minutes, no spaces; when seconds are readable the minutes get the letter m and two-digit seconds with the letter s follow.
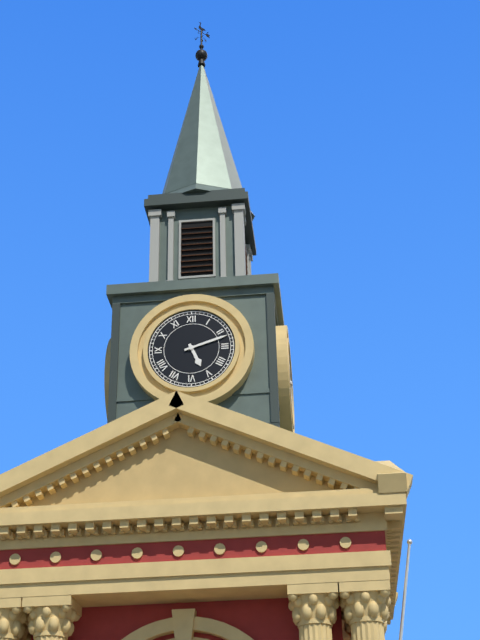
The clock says 5h12
